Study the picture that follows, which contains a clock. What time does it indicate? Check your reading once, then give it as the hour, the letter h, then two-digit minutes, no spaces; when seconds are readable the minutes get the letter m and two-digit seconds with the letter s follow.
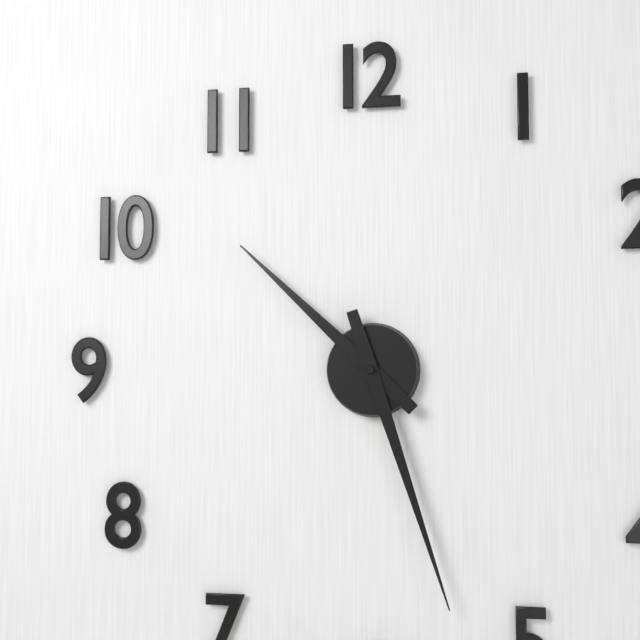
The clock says 10h27
